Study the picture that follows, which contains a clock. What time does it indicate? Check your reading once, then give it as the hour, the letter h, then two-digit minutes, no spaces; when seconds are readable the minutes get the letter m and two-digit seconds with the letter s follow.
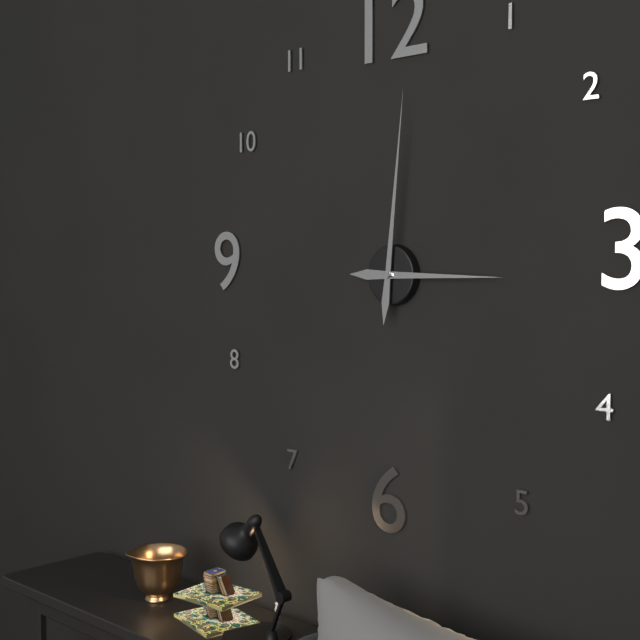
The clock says 3h01
